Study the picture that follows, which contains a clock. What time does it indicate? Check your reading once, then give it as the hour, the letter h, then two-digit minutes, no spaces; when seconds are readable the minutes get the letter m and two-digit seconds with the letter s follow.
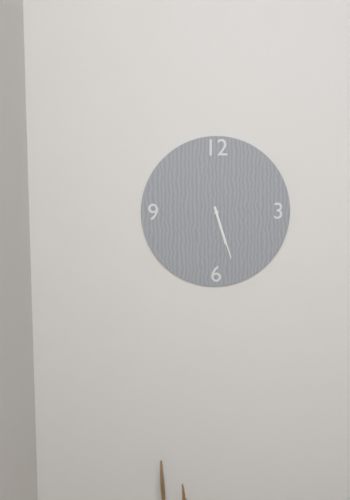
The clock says 5h27
